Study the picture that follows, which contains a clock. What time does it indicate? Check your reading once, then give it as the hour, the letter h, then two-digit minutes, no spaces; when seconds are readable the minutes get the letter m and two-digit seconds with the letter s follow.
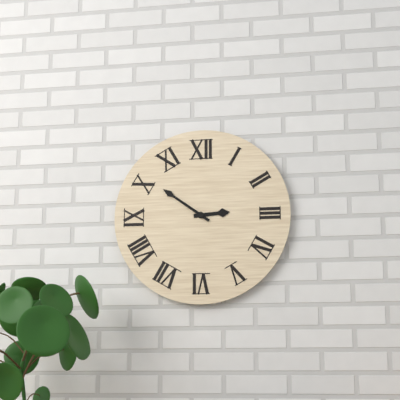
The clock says 2h51
